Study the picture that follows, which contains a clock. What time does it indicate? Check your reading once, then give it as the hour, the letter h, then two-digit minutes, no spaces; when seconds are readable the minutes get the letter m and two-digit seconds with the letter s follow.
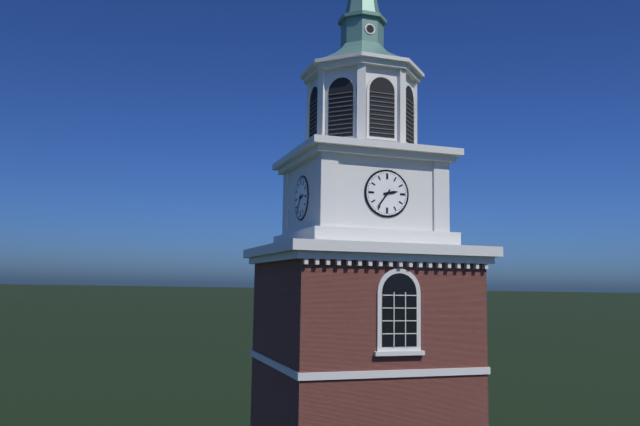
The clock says 2h36
